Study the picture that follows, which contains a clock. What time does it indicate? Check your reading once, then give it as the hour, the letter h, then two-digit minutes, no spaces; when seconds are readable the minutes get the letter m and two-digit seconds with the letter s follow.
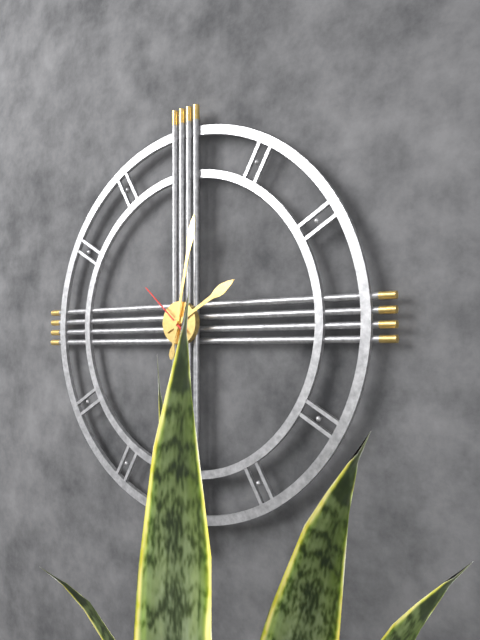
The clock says 2h02m52s
